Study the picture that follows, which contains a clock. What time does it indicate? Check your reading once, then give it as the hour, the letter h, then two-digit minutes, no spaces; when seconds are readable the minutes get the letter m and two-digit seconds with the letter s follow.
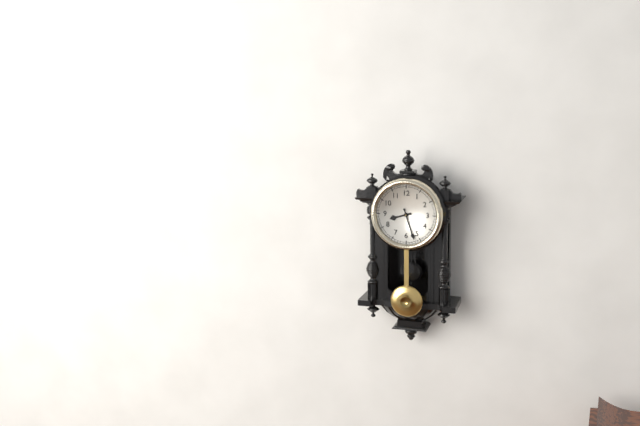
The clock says 8h27
